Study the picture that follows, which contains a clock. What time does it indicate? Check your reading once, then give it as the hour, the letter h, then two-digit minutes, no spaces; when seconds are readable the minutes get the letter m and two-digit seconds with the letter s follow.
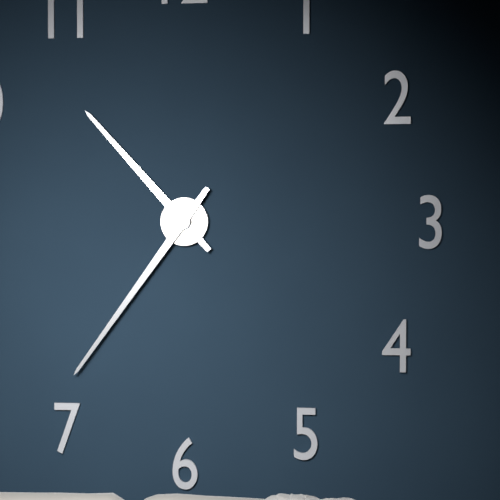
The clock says 10h36
